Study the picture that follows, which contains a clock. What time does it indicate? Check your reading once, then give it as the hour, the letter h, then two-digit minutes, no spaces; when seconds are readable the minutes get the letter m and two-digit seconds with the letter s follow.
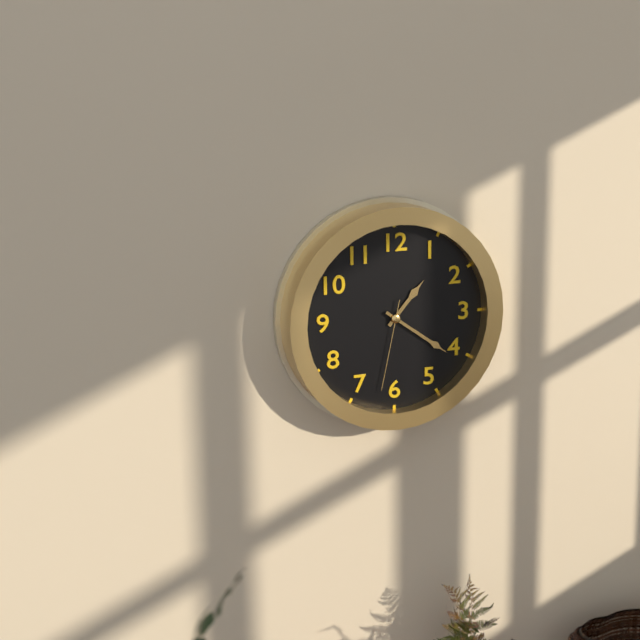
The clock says 1h21m32s
